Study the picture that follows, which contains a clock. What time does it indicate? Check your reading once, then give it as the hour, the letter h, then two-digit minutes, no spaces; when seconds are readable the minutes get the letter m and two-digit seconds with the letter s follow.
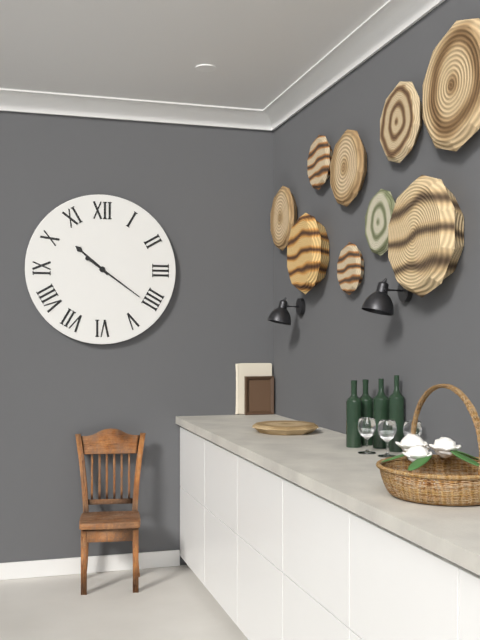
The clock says 10h21
